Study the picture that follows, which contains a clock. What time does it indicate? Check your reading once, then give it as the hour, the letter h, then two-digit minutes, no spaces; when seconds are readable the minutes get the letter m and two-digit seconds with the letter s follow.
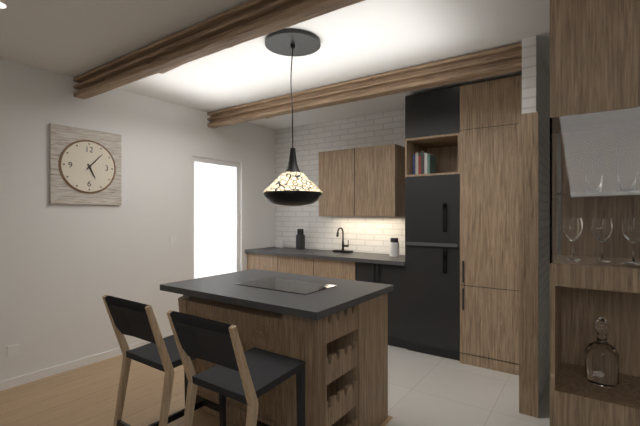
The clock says 5h07
